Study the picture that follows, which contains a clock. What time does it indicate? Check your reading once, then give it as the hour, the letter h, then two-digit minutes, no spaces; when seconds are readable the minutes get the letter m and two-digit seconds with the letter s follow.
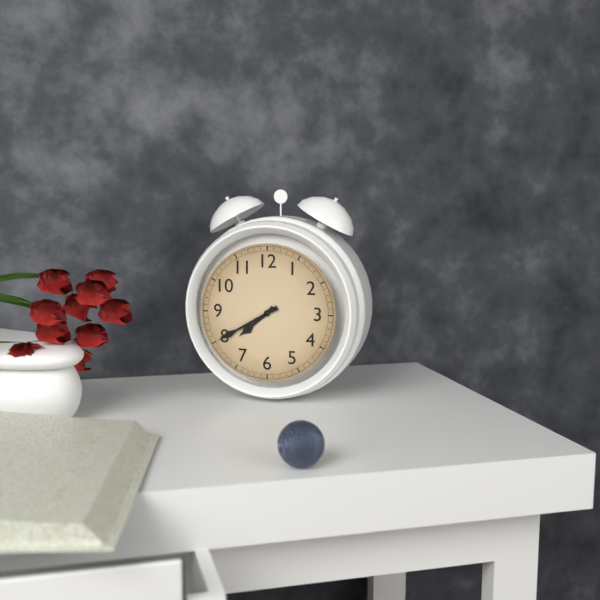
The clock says 7h40
